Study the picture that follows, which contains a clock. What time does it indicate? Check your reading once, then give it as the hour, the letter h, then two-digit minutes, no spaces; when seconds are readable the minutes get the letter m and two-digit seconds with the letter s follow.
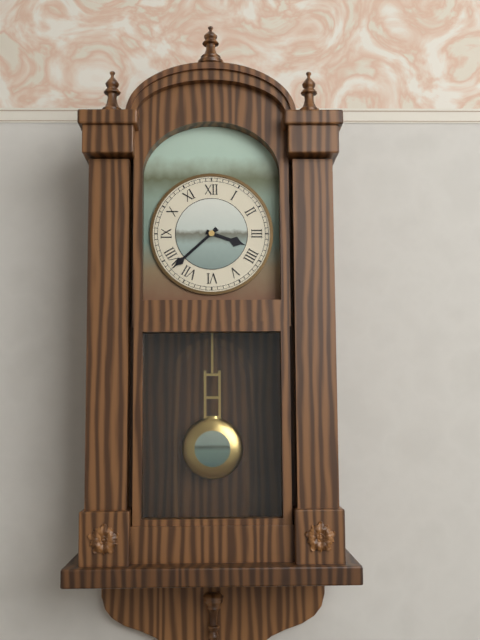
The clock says 3h38
